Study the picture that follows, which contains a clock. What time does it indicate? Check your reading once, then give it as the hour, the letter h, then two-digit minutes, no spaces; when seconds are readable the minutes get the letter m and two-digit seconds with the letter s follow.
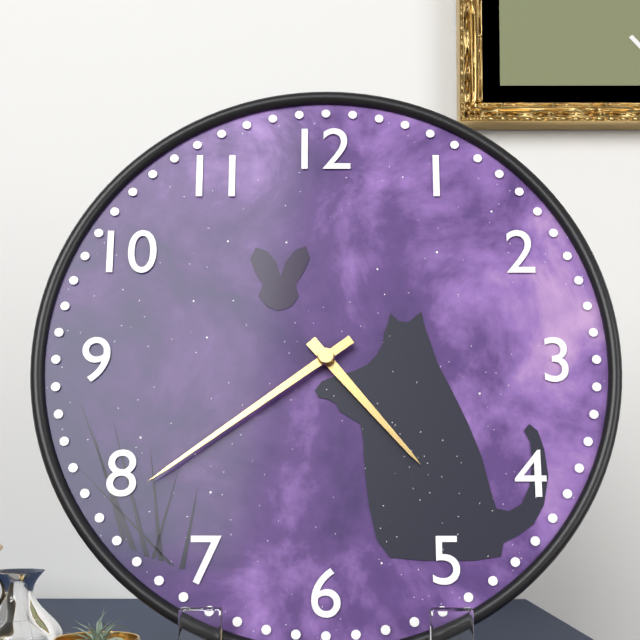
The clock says 4h39
